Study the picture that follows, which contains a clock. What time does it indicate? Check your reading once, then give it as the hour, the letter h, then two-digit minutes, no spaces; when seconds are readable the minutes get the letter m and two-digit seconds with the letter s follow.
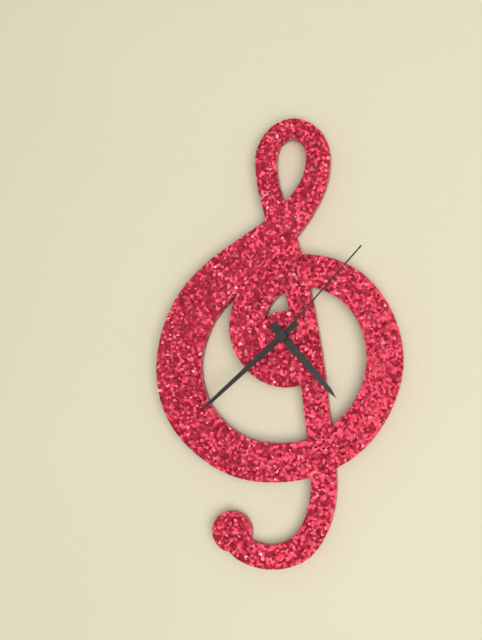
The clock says 4h38m07s
